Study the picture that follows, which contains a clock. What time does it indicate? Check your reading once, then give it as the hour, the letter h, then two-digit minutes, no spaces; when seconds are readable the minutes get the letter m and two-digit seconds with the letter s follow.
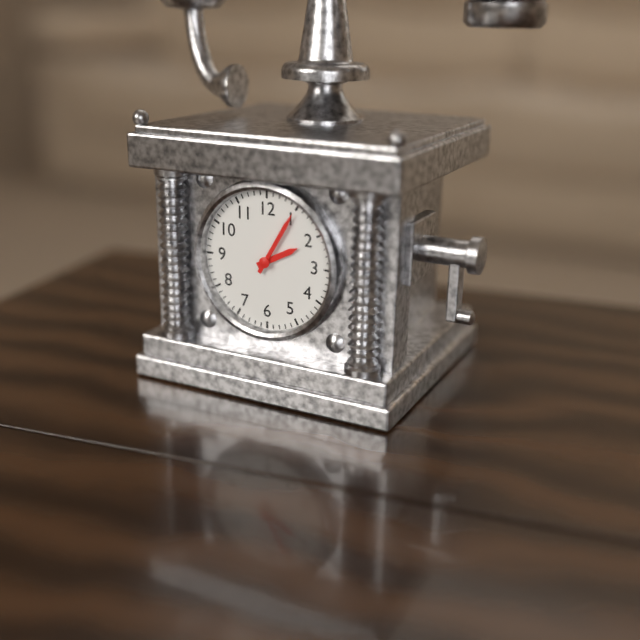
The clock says 2h05
